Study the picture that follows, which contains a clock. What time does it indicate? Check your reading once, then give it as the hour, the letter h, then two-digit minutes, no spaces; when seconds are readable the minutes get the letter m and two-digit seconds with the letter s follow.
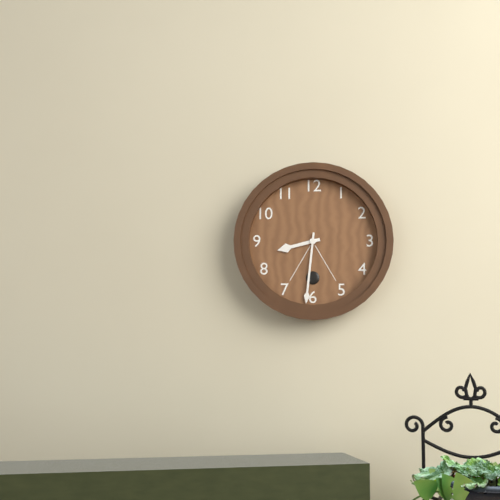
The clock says 8h31
